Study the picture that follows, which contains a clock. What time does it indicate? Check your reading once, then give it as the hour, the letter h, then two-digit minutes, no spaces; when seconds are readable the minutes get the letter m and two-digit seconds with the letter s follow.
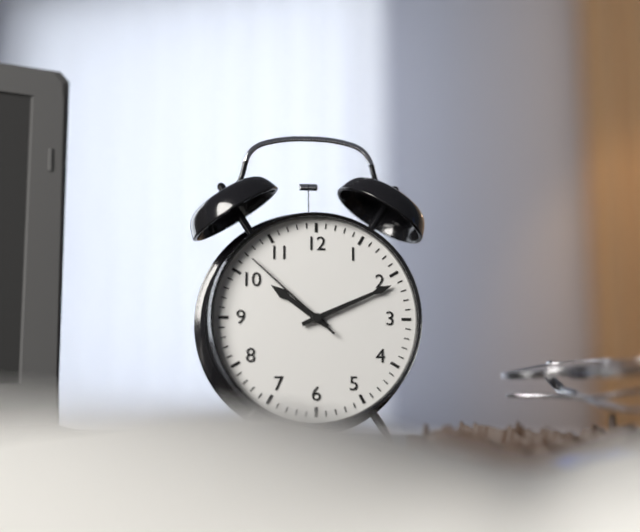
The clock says 10h11m52s
